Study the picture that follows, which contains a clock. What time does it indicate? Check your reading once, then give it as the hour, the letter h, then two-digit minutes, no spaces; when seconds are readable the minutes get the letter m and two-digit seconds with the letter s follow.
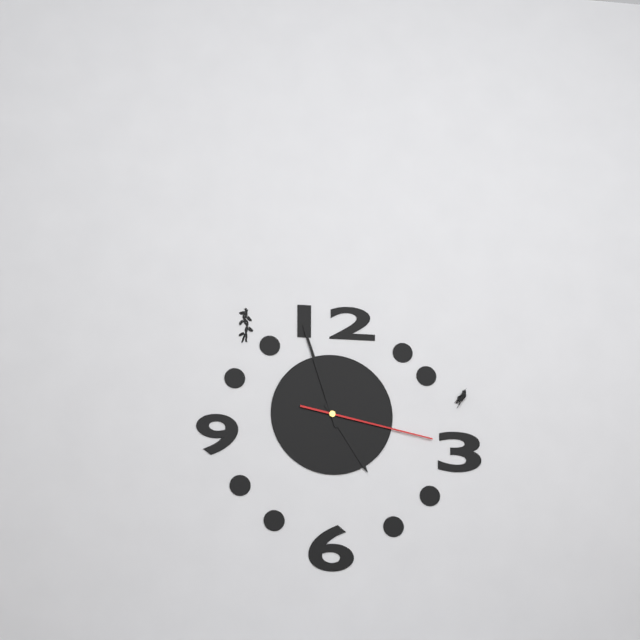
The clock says 4h57m17s
